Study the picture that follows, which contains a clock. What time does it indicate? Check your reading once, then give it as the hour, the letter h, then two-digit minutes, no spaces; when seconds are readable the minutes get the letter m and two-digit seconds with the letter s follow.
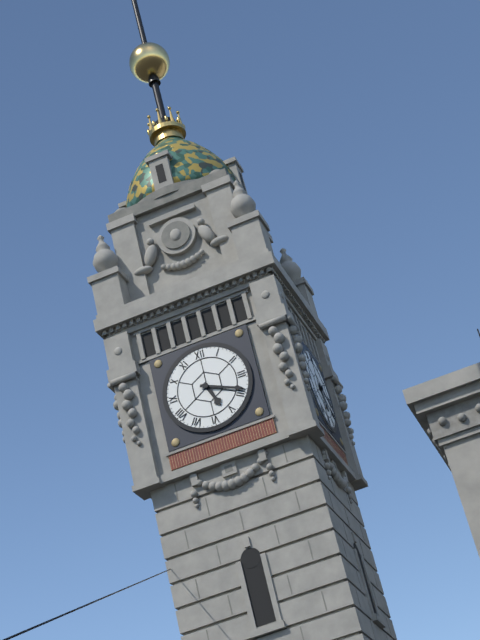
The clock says 5h19
